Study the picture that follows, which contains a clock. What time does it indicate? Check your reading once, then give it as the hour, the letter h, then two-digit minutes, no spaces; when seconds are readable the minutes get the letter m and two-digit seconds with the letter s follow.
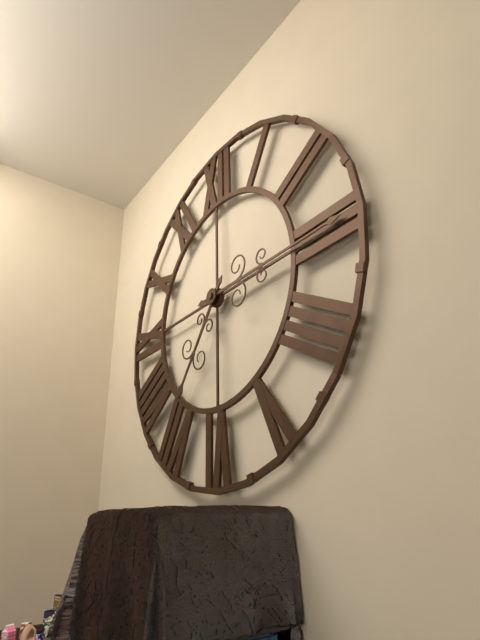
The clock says 7h15
